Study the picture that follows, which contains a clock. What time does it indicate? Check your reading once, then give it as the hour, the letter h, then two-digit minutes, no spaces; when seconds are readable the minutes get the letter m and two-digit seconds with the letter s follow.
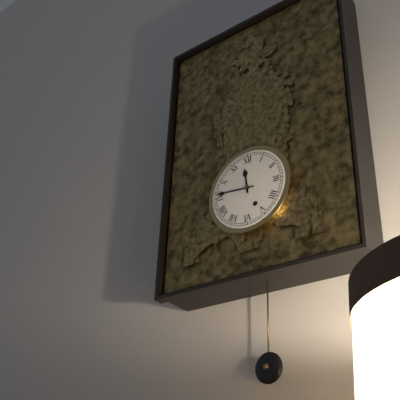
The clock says 11h46
